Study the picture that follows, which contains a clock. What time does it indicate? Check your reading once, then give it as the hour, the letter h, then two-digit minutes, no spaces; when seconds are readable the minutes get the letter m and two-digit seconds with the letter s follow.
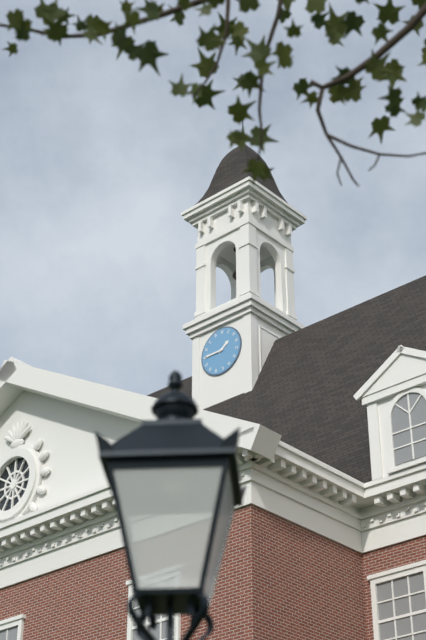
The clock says 1h45
